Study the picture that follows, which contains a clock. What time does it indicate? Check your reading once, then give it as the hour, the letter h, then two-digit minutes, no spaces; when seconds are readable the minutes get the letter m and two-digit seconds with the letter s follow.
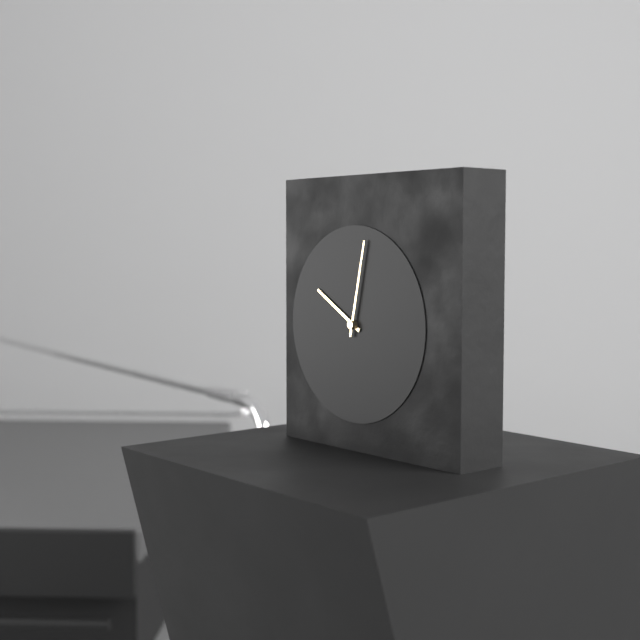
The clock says 10h02
